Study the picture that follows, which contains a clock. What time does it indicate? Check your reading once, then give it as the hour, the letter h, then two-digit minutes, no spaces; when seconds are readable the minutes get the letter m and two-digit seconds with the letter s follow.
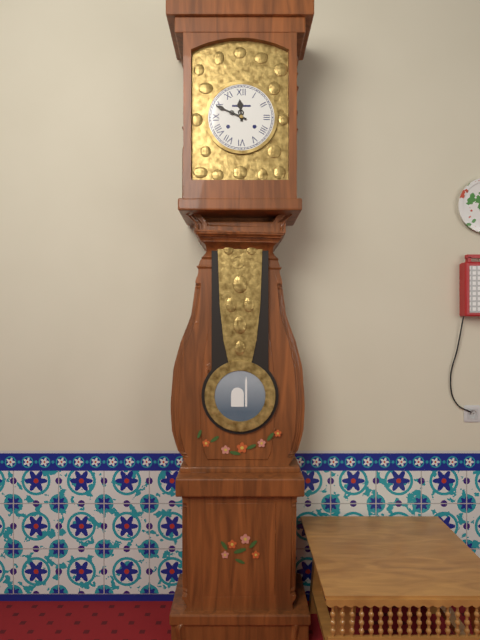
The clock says 11h49
